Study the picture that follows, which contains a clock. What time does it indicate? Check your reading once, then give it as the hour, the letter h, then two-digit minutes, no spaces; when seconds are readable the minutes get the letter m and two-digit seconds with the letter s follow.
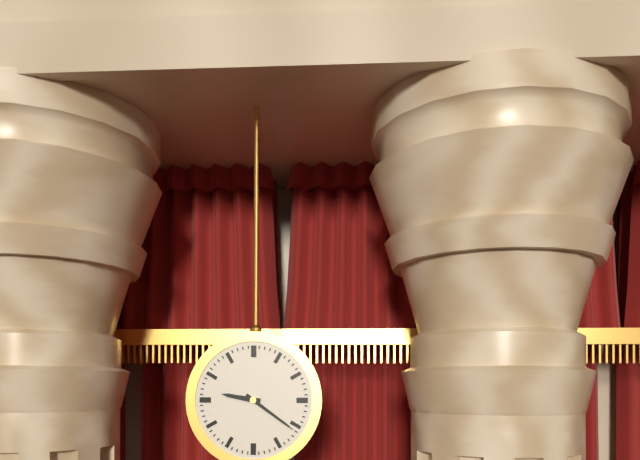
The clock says 9h21
